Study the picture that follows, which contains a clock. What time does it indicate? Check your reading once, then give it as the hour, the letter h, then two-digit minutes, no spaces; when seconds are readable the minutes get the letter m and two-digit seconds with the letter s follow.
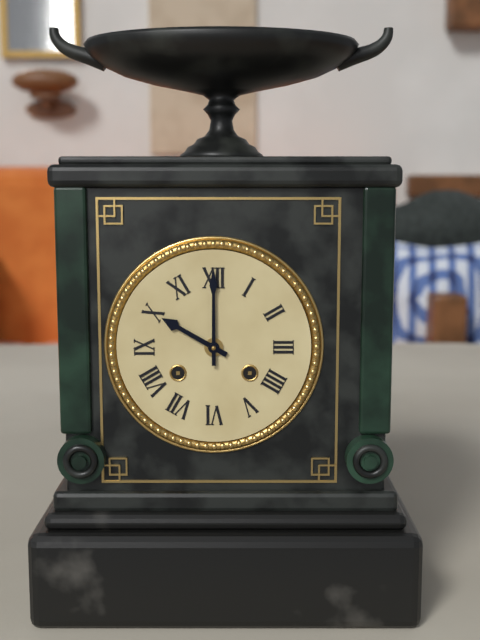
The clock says 10h00
